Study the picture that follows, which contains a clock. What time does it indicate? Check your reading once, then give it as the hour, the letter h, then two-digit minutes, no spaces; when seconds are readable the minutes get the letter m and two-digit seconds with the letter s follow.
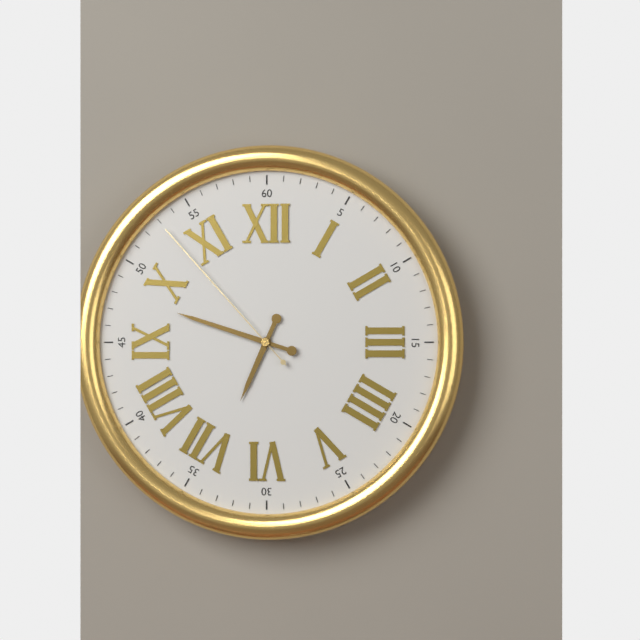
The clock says 6h48m53s
